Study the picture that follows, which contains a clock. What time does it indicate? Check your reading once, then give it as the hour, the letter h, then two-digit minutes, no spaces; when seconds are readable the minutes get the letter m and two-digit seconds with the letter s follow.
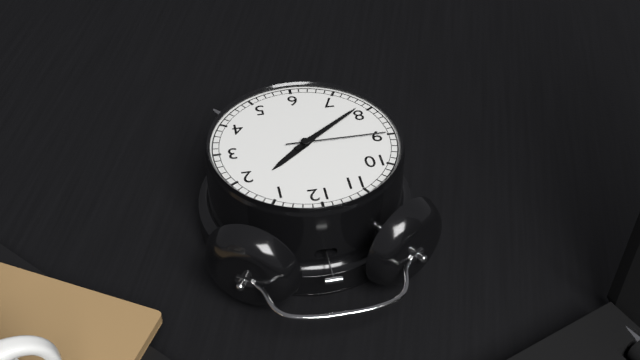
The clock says 1h39m45s
